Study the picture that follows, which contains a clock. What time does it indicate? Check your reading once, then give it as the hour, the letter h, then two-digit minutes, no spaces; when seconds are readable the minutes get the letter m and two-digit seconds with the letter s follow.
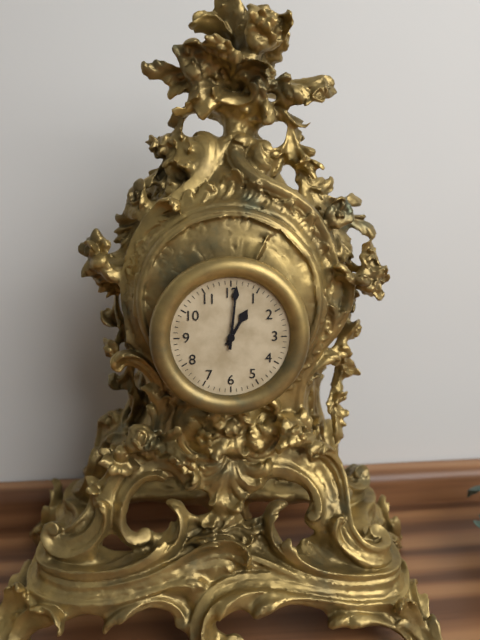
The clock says 1h01
